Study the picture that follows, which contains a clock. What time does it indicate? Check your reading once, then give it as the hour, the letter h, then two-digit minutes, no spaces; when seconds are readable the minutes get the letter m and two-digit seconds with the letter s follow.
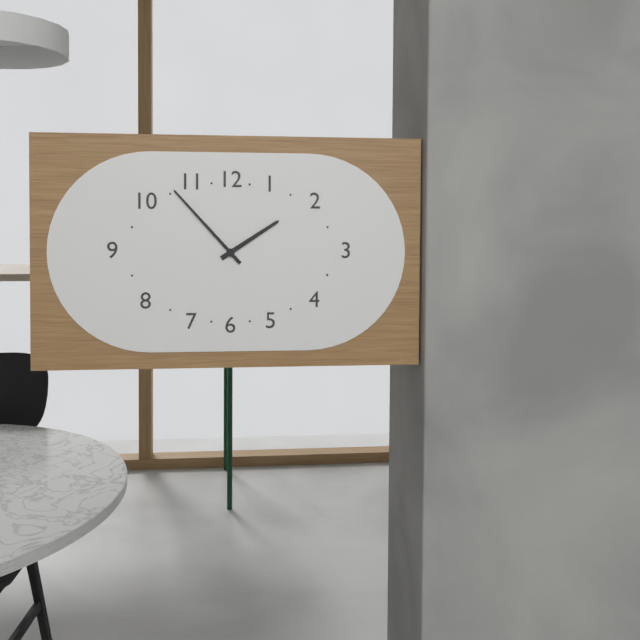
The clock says 1h53
